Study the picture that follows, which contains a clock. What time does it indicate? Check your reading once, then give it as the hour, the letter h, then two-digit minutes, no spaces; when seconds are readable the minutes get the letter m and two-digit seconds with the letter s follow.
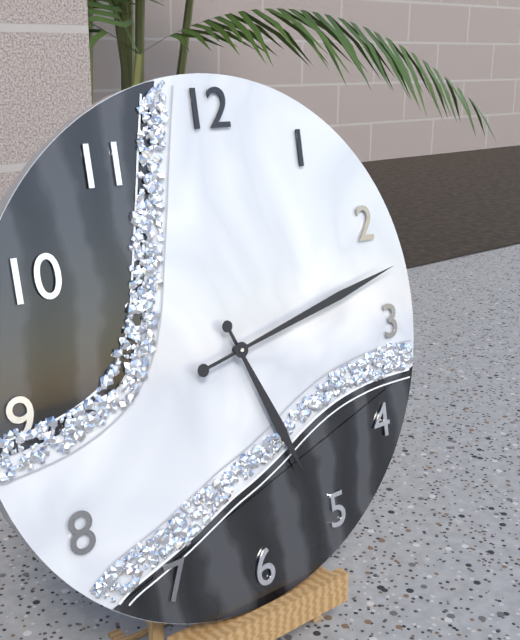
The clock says 5h13
